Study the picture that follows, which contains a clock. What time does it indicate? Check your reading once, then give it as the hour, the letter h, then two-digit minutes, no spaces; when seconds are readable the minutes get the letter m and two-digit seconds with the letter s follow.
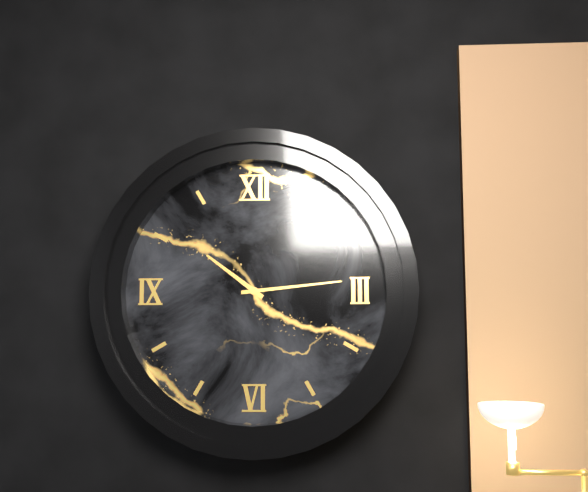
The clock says 10h14
